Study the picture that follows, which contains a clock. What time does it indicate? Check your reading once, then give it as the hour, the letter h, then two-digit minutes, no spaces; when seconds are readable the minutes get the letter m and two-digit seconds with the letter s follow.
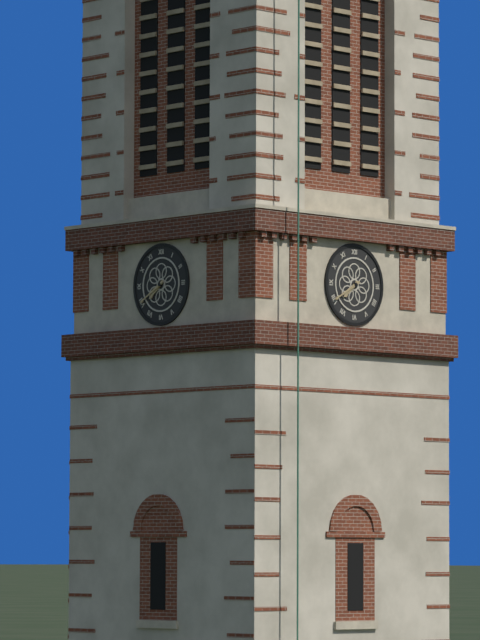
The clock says 7h40
